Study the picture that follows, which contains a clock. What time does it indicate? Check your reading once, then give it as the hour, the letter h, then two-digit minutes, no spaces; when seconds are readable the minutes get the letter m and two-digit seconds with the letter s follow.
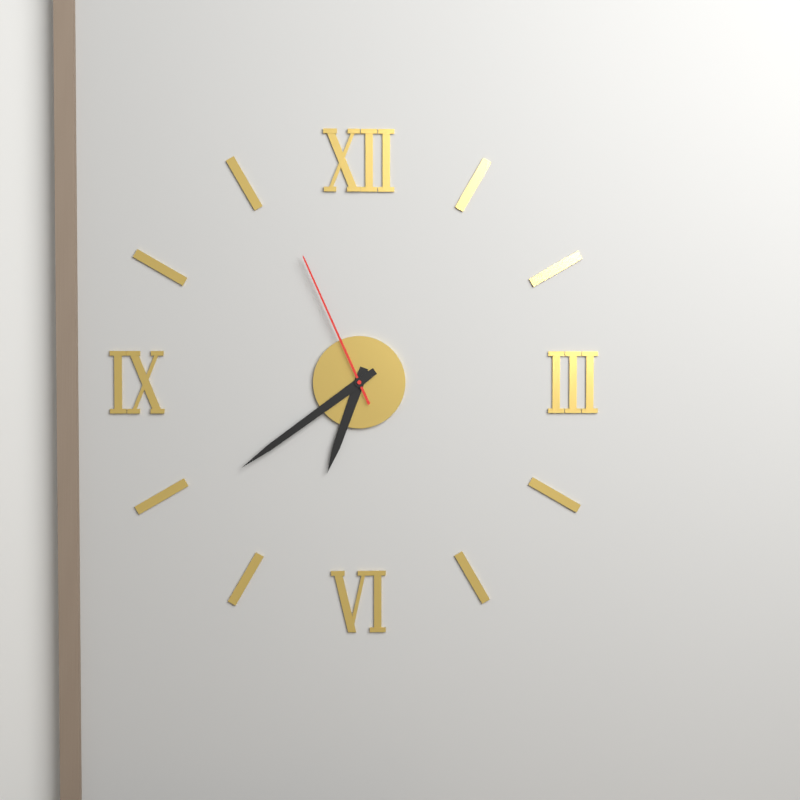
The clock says 6h39m56s
